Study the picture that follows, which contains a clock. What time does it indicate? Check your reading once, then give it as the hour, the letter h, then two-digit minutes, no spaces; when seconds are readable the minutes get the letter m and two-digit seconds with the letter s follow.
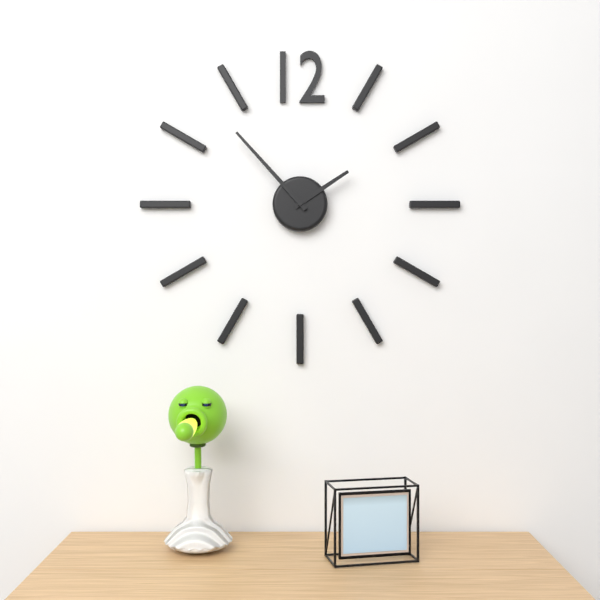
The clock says 1h53
